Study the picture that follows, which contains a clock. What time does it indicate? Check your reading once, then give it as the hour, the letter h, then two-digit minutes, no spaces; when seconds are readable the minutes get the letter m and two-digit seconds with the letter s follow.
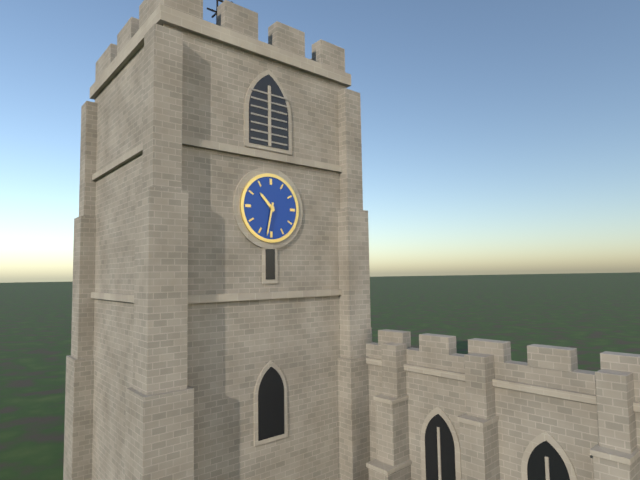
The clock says 10h32
